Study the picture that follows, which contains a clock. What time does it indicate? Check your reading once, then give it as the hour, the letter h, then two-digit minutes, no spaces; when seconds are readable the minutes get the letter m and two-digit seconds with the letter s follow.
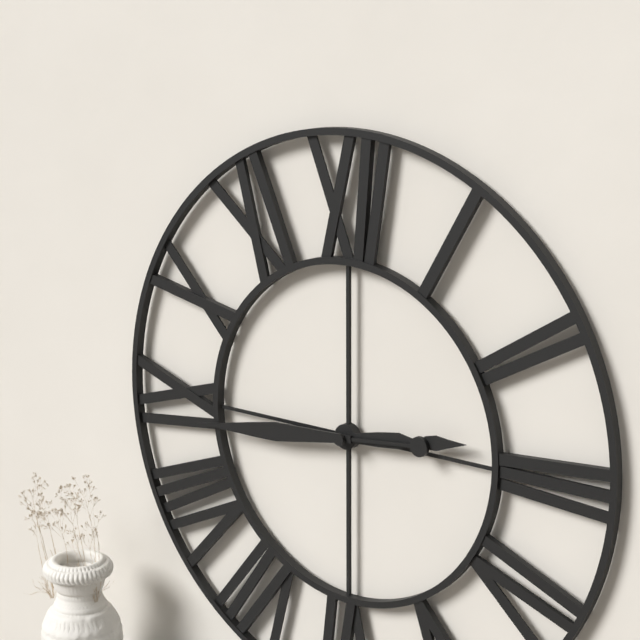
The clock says 2h44
